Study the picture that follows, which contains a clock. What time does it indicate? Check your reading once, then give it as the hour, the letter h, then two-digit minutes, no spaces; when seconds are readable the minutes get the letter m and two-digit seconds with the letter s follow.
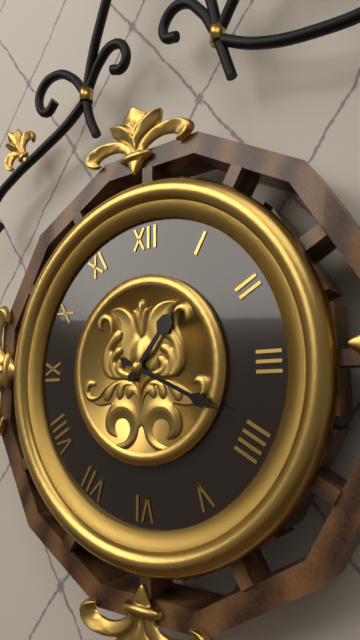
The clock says 1h19
